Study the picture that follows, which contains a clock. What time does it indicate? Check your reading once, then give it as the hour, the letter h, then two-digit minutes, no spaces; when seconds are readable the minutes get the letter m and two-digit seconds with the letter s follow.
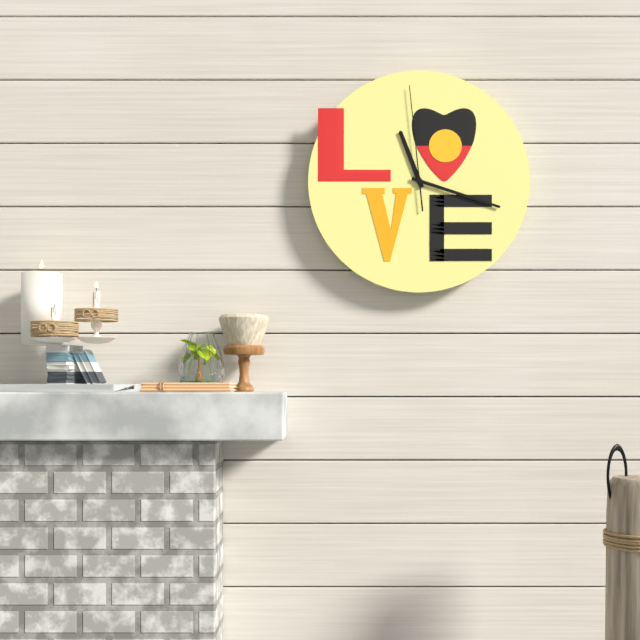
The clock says 11h18m59s
